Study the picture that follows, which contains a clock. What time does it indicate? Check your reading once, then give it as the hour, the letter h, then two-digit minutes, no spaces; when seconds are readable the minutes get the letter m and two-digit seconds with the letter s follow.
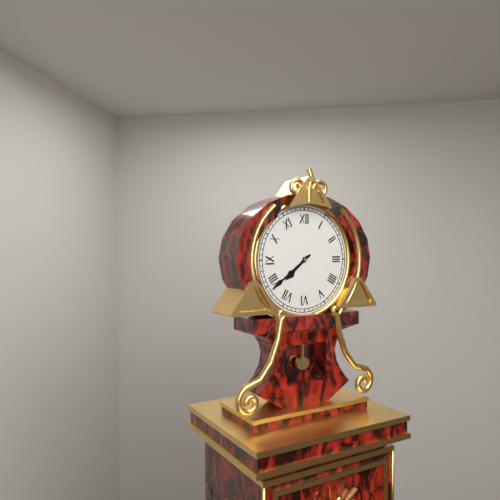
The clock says 7h39
